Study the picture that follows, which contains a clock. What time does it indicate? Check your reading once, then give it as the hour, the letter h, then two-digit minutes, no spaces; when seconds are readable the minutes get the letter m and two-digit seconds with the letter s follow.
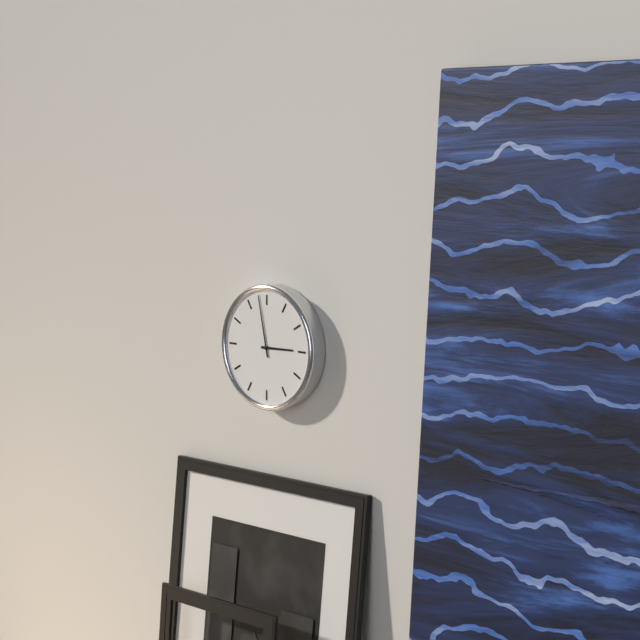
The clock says 2h58
